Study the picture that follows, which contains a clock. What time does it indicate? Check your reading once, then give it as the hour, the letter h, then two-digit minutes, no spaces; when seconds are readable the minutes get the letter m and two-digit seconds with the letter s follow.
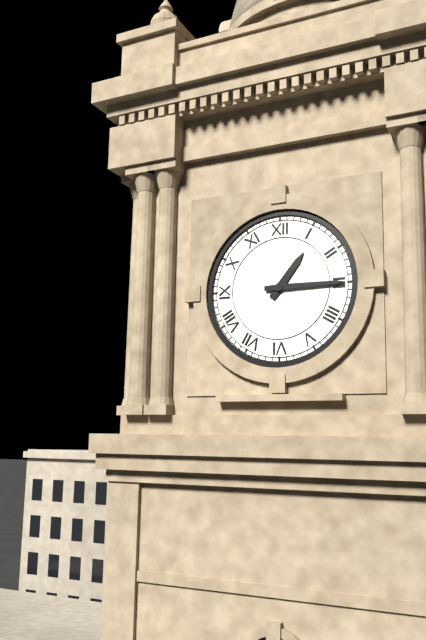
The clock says 1h15
